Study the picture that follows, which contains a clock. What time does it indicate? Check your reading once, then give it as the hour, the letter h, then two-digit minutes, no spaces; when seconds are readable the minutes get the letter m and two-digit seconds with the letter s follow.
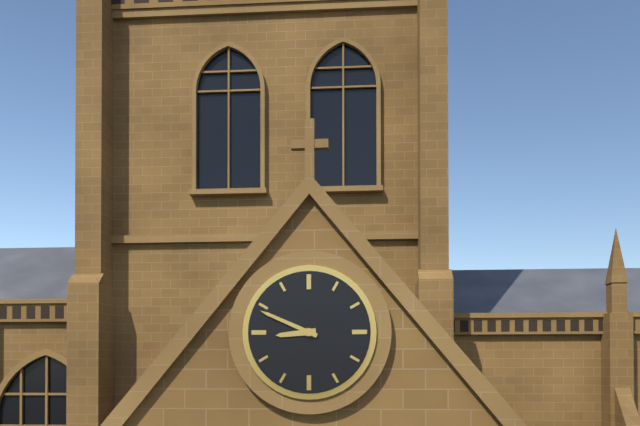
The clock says 8h49
